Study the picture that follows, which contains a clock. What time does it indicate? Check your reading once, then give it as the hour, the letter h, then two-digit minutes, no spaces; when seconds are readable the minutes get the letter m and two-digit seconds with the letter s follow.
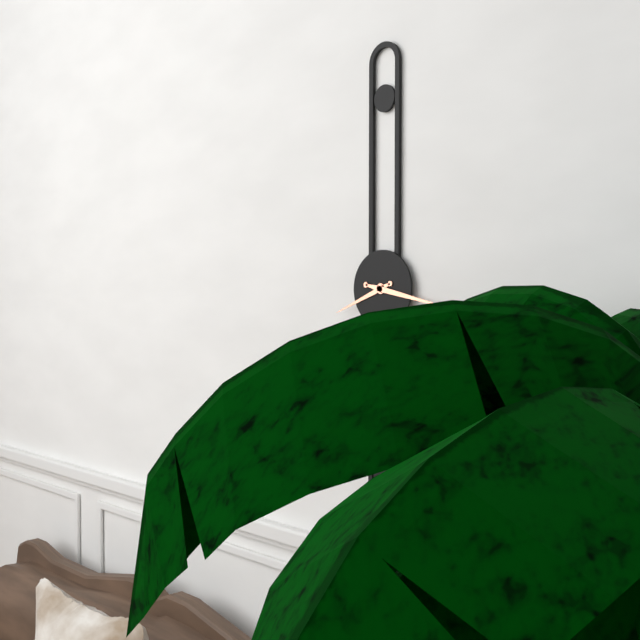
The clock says 8h17
